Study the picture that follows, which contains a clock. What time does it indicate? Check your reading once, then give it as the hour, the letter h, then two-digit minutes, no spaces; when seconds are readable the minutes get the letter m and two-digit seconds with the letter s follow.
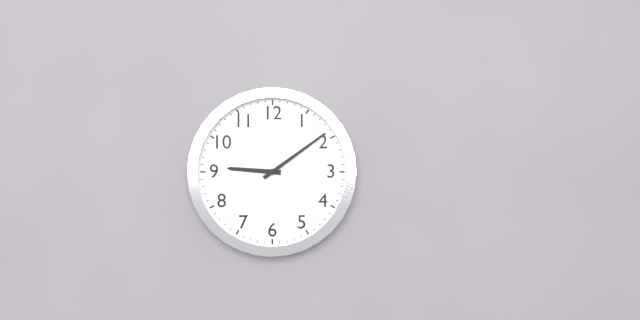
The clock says 9h09
